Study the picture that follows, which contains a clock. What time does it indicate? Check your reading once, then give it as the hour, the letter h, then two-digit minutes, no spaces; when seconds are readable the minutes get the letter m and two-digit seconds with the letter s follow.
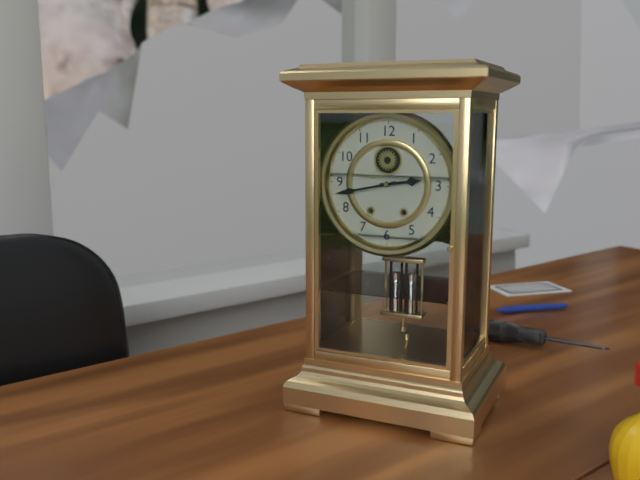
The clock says 2h43
